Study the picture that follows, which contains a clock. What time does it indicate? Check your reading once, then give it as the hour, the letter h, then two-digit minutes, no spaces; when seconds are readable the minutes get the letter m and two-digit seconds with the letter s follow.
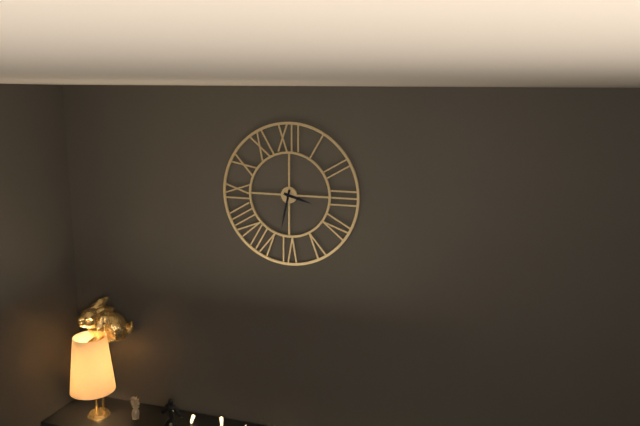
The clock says 3h32
